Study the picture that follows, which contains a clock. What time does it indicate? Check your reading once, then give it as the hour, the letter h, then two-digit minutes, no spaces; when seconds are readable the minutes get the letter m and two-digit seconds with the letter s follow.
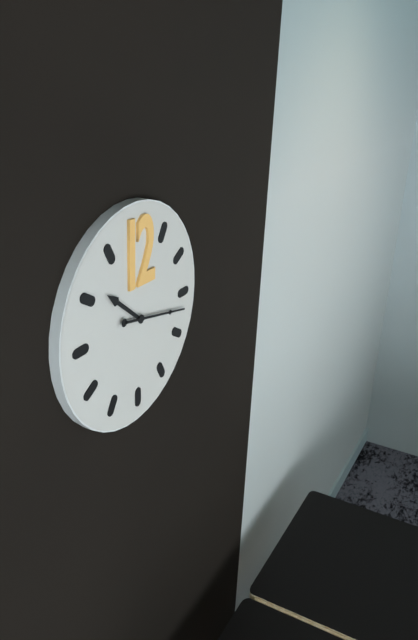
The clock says 10h17
